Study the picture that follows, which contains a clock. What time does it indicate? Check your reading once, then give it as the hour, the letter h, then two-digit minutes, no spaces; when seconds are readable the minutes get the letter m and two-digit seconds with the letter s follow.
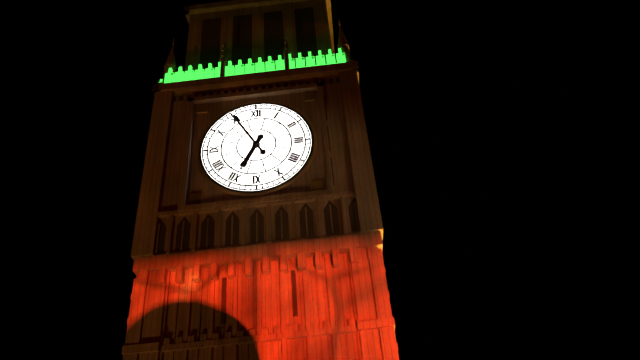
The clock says 6h55
